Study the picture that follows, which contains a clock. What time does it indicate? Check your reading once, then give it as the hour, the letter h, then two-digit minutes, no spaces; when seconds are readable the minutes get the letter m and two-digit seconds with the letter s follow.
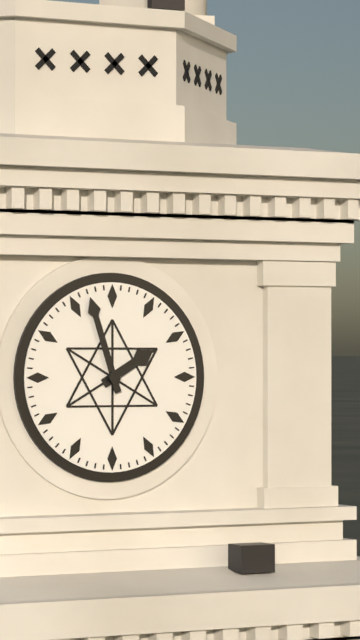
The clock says 1h57
